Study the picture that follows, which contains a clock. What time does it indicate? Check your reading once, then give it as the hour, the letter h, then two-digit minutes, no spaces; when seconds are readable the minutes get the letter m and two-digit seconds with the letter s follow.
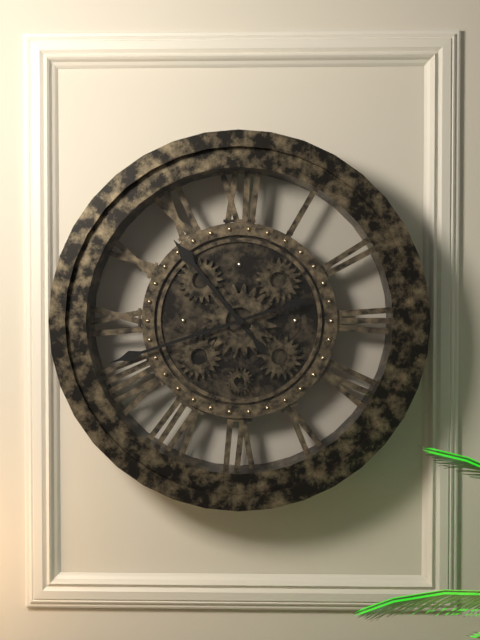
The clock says 10h42
